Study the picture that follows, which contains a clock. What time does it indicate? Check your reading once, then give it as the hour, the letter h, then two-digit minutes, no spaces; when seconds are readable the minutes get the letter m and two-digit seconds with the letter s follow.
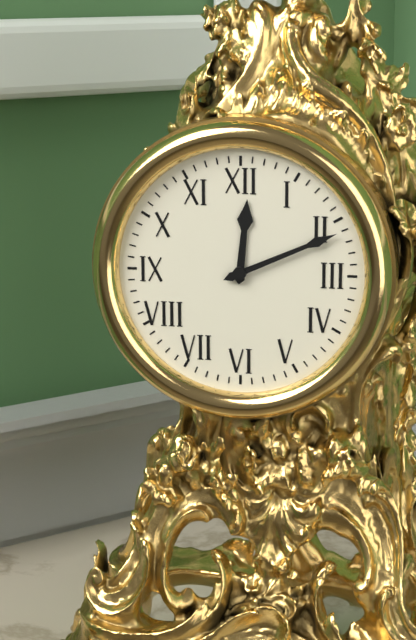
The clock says 12h11
